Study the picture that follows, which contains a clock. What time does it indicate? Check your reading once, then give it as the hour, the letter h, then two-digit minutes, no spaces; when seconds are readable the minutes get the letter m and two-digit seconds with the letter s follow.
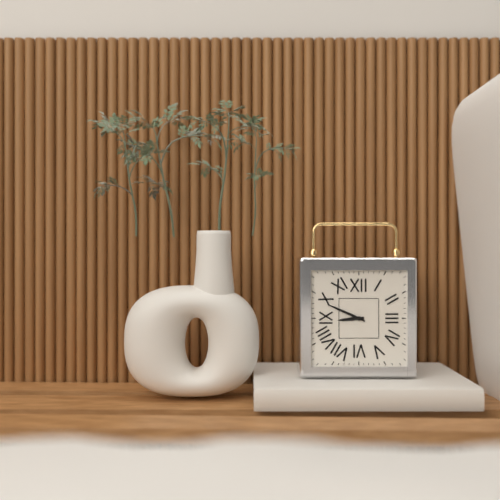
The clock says 8h49
